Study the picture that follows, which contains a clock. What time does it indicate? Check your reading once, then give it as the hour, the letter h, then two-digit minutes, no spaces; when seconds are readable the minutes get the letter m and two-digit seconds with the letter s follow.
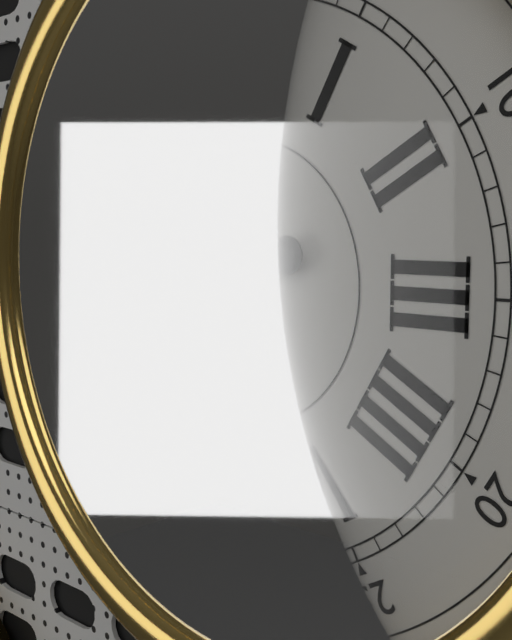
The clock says 5h41
